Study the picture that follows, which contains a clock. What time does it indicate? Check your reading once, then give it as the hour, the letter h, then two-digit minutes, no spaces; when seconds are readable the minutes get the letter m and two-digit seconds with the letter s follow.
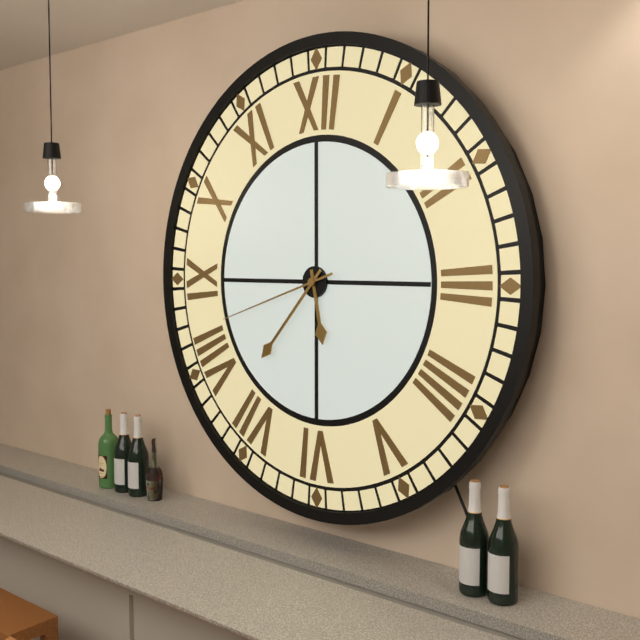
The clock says 5h37m42s
